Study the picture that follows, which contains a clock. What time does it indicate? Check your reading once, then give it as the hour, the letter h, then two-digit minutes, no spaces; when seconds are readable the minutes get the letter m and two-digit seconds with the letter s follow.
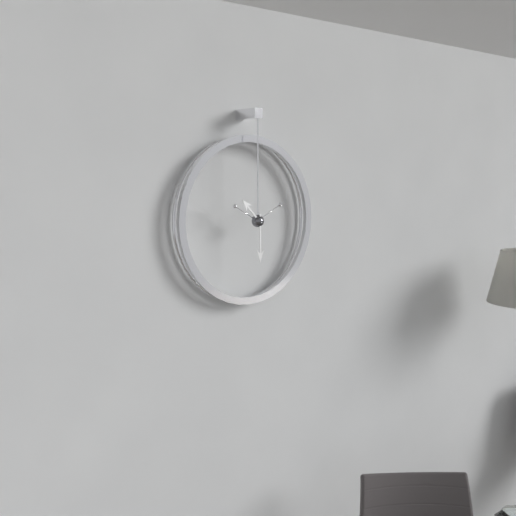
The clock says 10h30
